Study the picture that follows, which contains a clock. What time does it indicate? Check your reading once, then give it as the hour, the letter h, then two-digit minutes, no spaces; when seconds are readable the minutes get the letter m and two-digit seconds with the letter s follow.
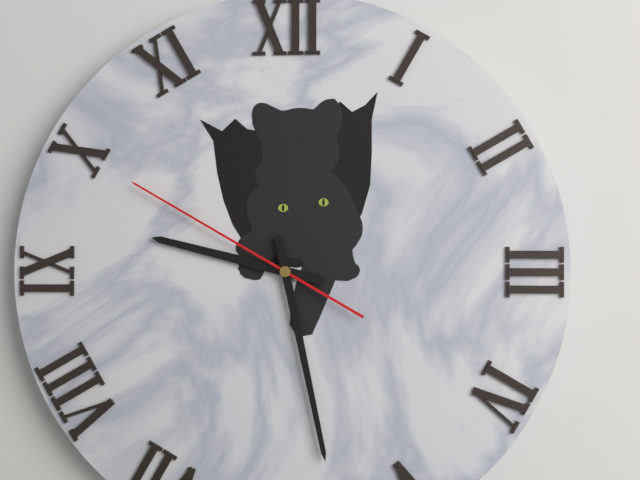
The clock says 9h28m50s
